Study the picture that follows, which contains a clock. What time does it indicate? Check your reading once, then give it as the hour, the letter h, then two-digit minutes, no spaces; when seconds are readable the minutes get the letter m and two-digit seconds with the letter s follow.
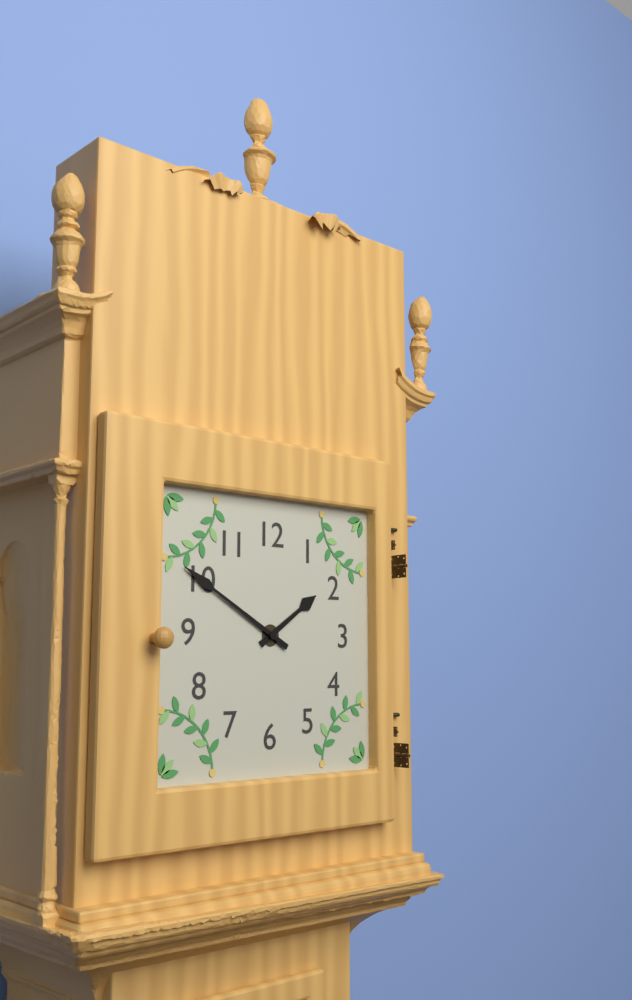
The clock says 1h50
